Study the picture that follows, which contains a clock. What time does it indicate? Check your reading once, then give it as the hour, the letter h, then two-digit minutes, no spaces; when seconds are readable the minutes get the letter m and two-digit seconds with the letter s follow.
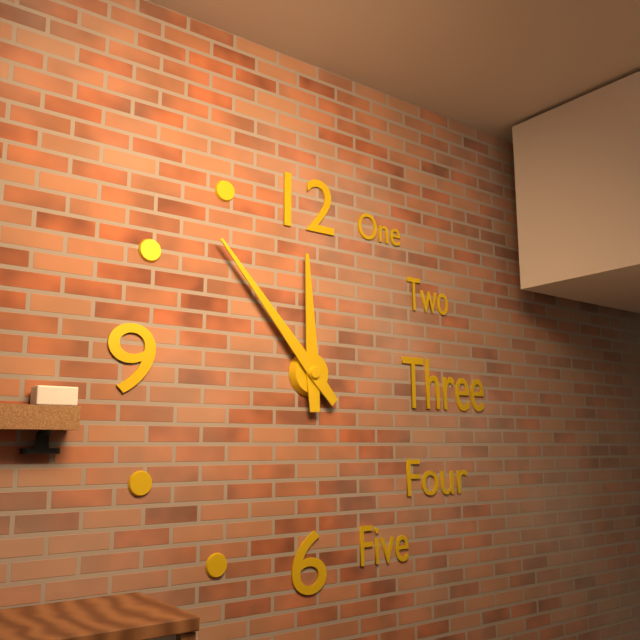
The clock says 11h53
